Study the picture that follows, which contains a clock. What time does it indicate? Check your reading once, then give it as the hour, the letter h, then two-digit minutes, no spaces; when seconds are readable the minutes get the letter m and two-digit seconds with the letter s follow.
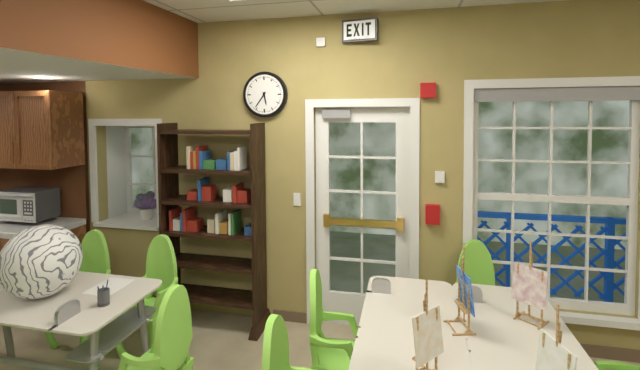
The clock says 5h36
